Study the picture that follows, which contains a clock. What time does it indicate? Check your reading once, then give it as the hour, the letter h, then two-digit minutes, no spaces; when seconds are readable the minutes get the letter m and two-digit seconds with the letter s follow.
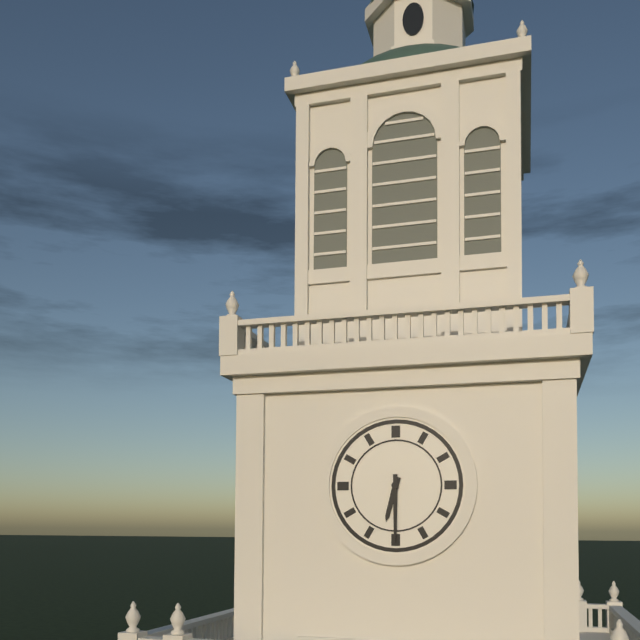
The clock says 6h30
